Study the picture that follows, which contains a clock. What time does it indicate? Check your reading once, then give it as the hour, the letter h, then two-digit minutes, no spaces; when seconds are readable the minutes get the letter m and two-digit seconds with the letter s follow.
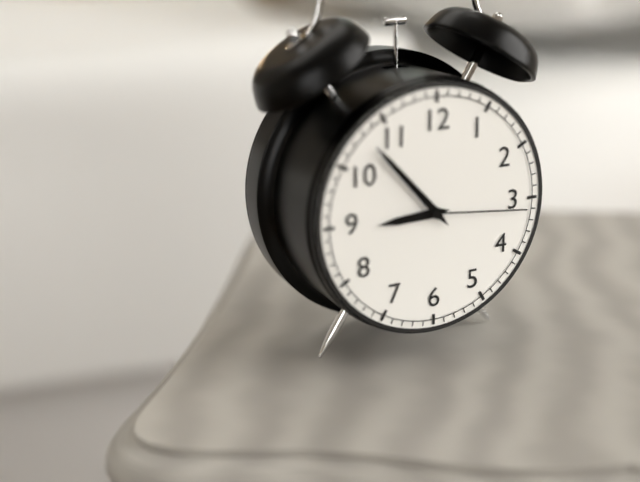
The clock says 8h53m16s
